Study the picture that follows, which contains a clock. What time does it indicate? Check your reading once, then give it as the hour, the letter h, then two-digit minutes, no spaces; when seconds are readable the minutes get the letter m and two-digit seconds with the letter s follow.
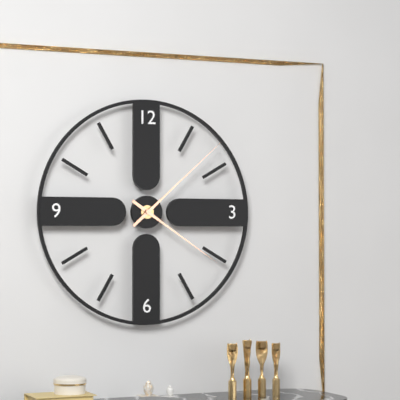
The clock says 4h08
